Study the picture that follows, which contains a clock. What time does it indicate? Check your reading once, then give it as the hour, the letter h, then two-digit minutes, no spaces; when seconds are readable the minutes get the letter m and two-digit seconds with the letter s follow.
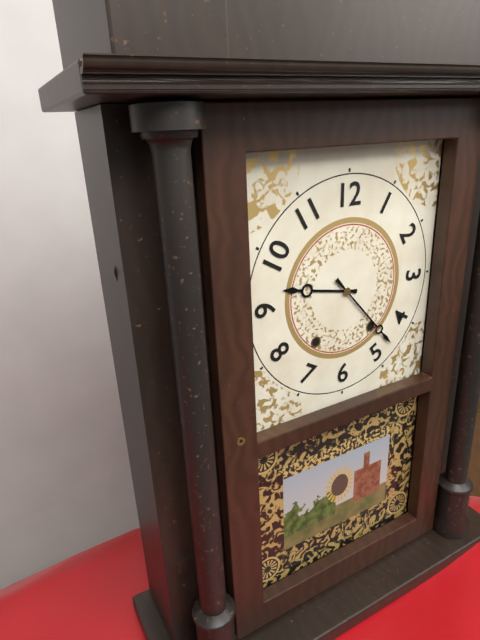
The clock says 9h23
